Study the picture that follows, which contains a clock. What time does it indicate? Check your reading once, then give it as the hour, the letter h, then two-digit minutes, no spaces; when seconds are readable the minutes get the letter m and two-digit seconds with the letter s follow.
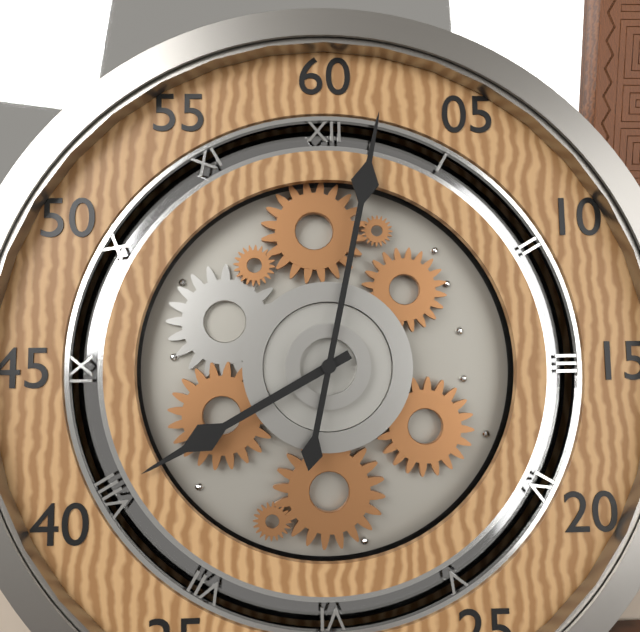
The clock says 8h02
